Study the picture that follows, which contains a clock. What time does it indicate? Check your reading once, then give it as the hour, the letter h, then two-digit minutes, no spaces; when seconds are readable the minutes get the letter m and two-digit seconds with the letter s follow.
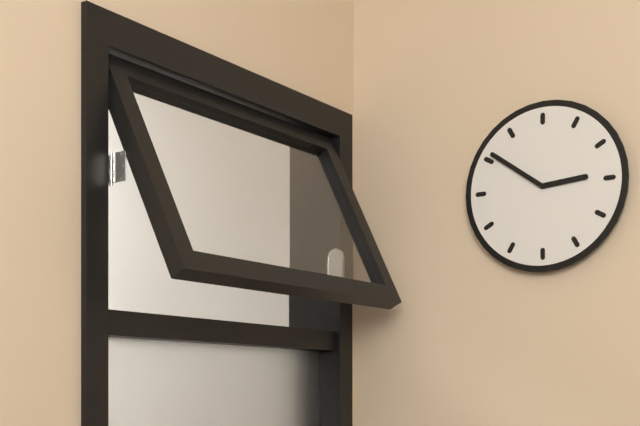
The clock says 2h51
